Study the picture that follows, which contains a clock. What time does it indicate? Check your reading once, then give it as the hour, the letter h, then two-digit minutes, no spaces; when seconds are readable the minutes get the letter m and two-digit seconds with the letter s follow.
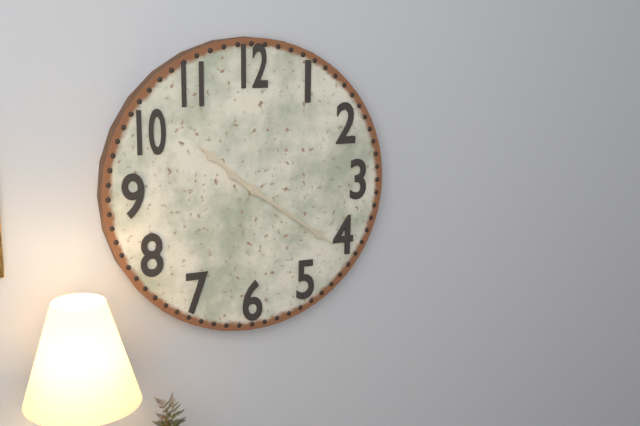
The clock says 10h21
